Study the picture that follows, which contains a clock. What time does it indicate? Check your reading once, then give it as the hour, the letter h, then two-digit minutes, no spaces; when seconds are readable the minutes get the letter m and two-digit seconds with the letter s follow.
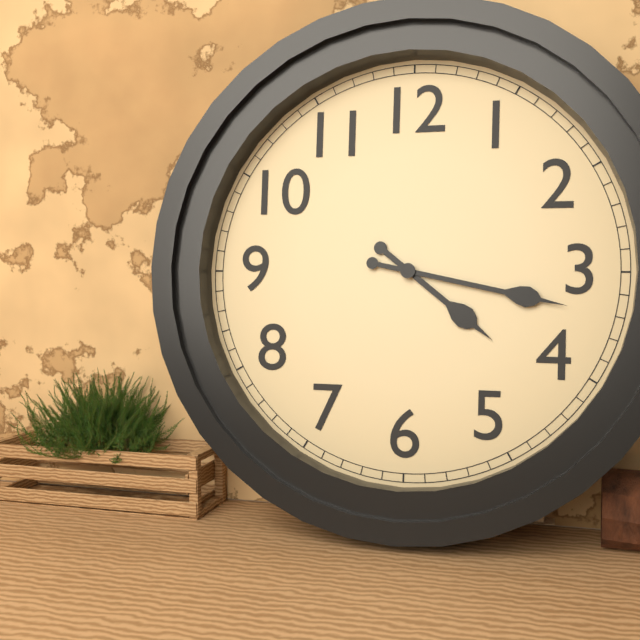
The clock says 4h17
